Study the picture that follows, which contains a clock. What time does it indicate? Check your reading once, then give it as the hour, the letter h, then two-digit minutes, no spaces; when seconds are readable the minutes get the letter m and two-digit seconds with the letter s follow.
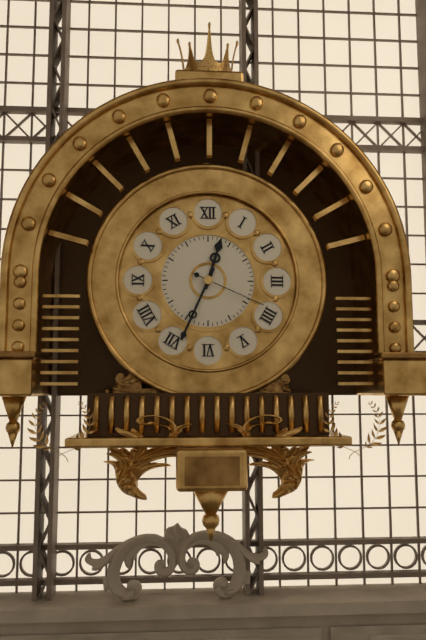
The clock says 12h34m19s
